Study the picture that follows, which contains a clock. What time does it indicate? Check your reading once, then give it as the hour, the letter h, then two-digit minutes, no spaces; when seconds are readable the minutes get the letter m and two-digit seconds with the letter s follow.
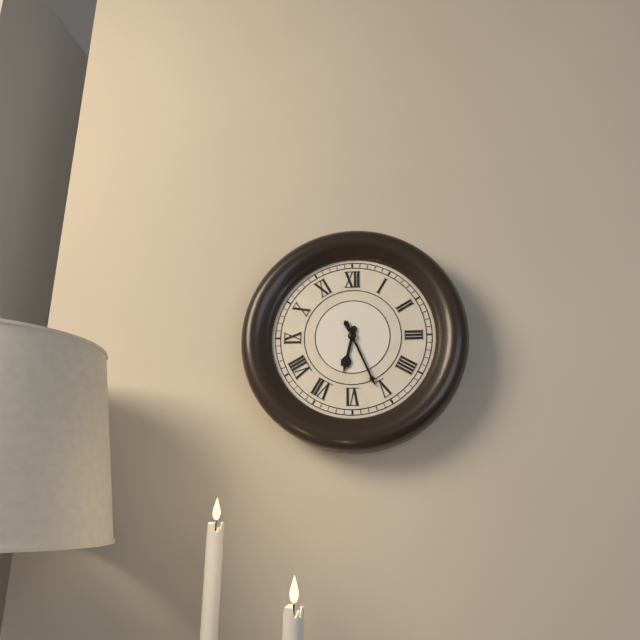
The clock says 6h26
